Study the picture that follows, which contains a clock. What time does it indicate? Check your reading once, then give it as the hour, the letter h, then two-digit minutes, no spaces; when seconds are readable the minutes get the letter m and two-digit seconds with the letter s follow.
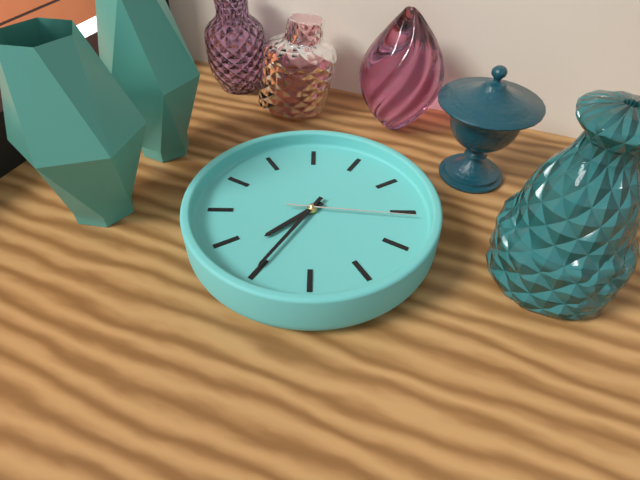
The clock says 7h35m16s
